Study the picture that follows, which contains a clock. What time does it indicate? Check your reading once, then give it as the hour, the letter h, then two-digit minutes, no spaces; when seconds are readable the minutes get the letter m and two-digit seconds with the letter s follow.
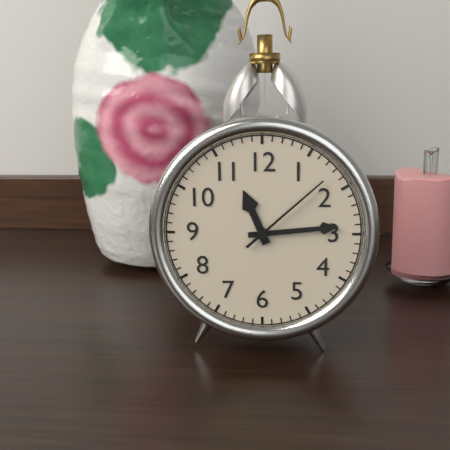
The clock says 11h14m08s
